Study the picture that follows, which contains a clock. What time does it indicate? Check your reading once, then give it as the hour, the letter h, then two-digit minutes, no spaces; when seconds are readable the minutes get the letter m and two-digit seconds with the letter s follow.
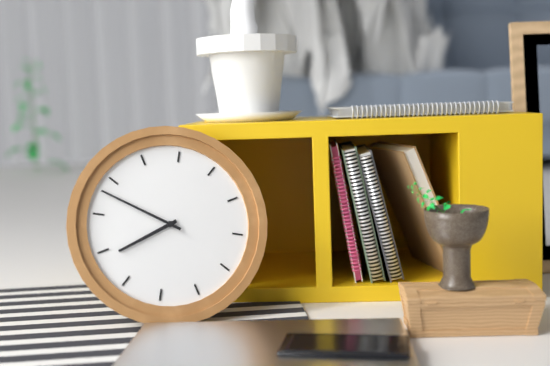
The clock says 7h48
